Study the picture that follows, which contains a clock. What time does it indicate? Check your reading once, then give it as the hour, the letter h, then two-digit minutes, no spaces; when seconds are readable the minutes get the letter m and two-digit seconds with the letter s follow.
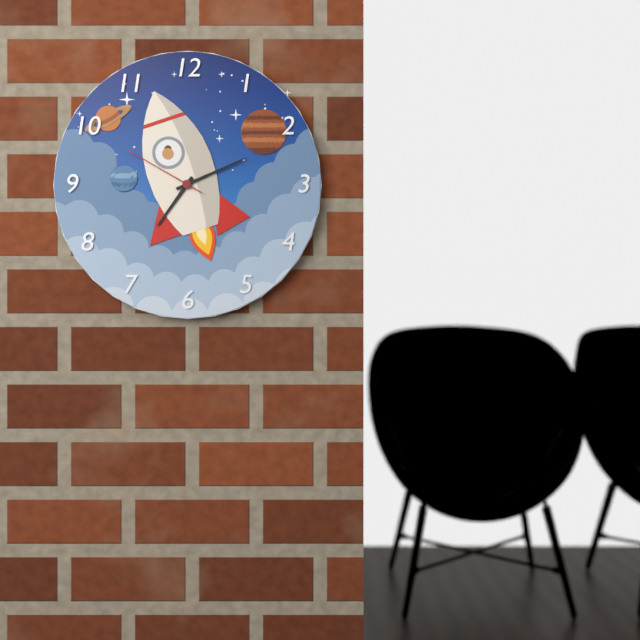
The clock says 7h11m50s
